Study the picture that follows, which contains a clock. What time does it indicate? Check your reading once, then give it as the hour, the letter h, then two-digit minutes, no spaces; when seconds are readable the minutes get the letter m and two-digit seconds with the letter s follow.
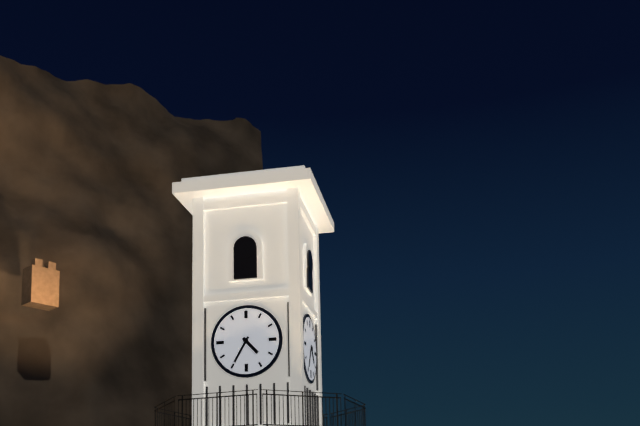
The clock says 4h35
